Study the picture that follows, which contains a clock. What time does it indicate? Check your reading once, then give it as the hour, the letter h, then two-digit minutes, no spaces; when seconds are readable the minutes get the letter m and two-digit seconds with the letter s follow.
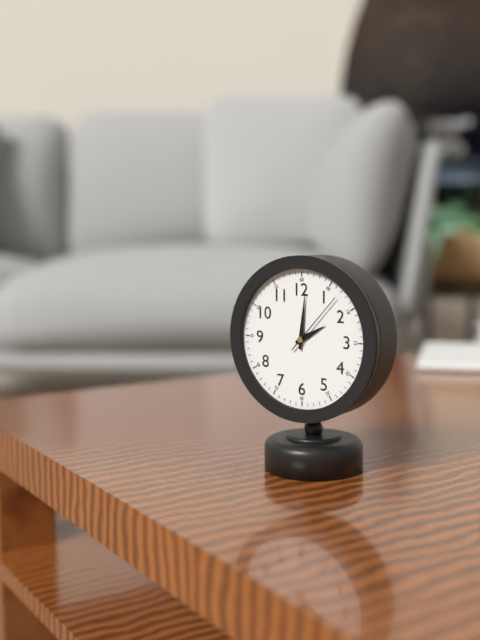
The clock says 2h01m07s
